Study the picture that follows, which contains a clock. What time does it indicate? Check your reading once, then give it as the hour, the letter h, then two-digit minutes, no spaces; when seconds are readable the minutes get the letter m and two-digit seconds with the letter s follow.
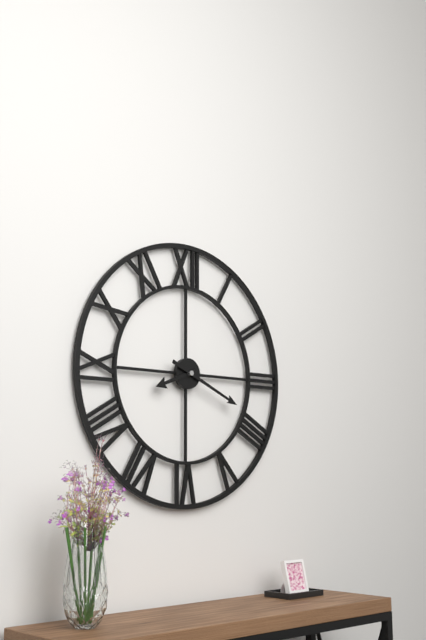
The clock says 8h19
